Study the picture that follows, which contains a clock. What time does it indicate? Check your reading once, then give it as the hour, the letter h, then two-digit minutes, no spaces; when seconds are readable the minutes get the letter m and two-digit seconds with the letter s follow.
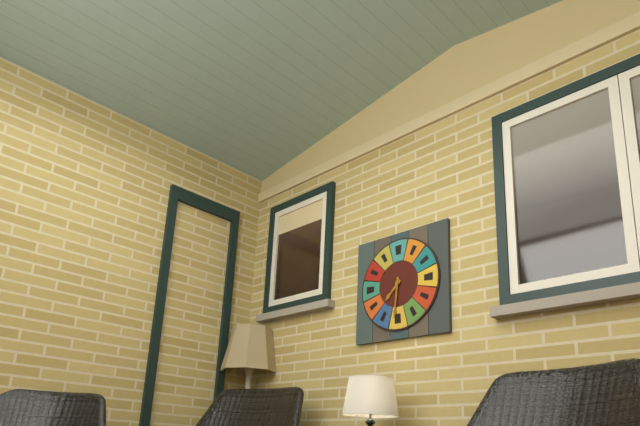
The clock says 7h31
